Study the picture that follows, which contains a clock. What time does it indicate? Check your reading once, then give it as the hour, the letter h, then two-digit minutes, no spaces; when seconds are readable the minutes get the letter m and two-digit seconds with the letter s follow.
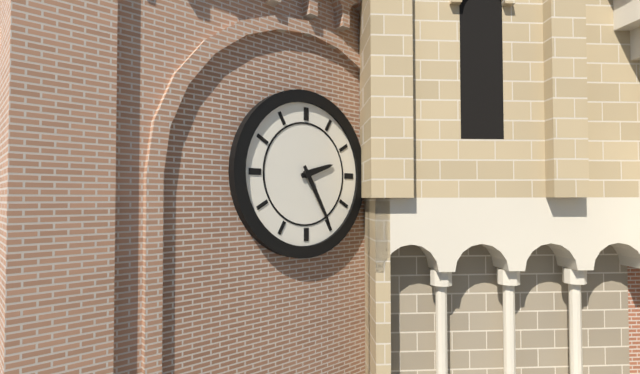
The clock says 2h25
